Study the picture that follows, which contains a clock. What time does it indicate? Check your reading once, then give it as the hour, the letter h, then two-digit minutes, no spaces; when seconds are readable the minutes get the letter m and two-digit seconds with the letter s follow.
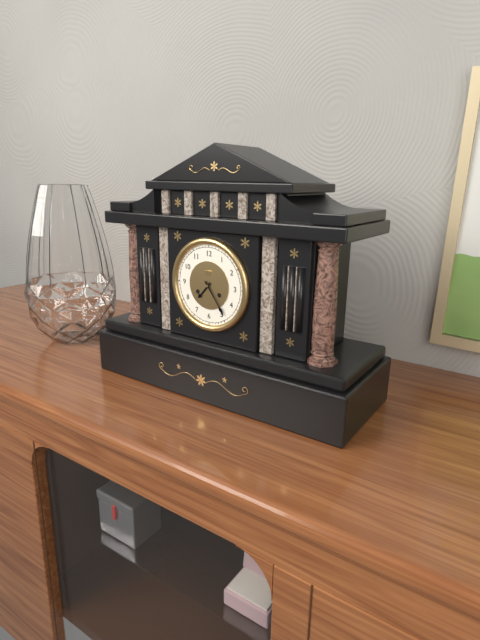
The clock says 7h24
